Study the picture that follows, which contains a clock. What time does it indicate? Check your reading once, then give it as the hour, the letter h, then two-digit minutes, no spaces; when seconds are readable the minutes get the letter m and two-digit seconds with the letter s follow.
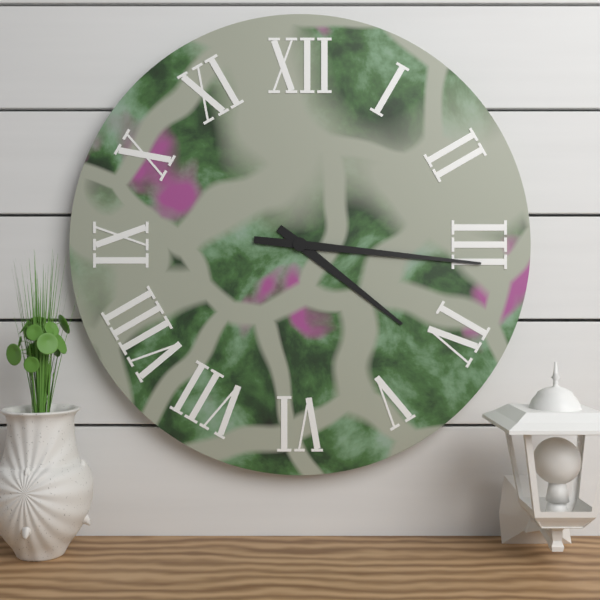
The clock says 4h16
